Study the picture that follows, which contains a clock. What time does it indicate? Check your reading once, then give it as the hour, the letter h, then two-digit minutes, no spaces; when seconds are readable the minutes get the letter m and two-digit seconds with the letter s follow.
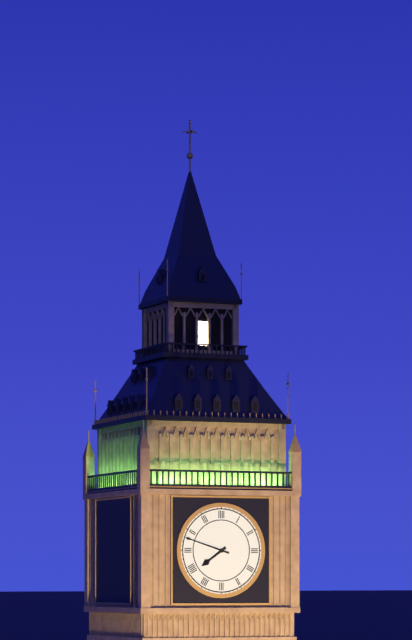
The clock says 7h48
